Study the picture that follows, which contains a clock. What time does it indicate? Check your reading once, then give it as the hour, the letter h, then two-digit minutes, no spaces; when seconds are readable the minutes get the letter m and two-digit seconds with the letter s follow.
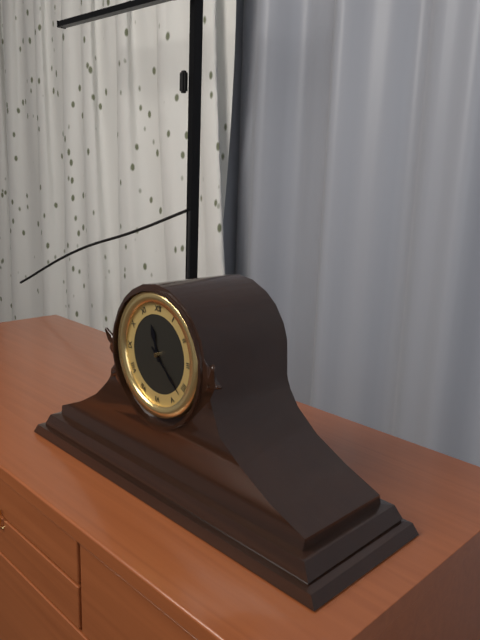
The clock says 11h22
